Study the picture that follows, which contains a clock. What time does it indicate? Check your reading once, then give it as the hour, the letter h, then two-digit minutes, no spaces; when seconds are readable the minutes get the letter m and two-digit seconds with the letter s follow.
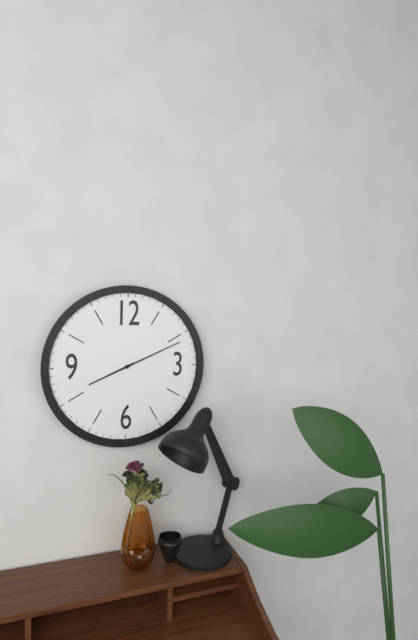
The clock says 8h11
